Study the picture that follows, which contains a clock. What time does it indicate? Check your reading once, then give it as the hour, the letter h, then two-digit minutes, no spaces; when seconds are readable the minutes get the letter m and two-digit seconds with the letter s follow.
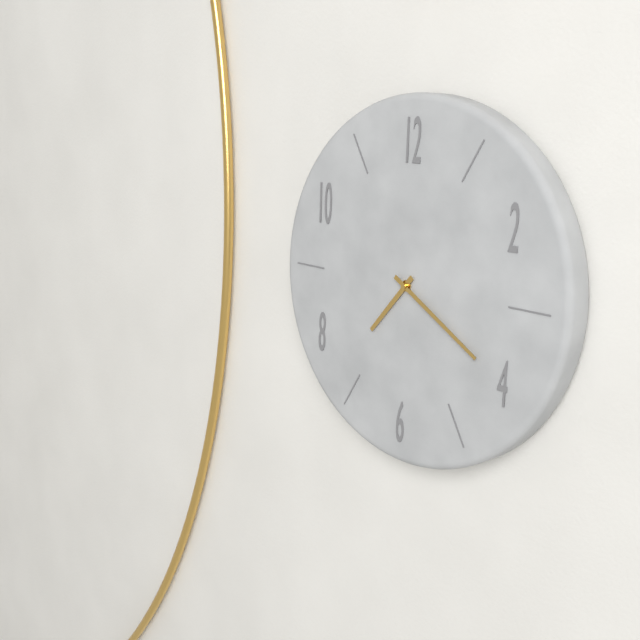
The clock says 7h20
